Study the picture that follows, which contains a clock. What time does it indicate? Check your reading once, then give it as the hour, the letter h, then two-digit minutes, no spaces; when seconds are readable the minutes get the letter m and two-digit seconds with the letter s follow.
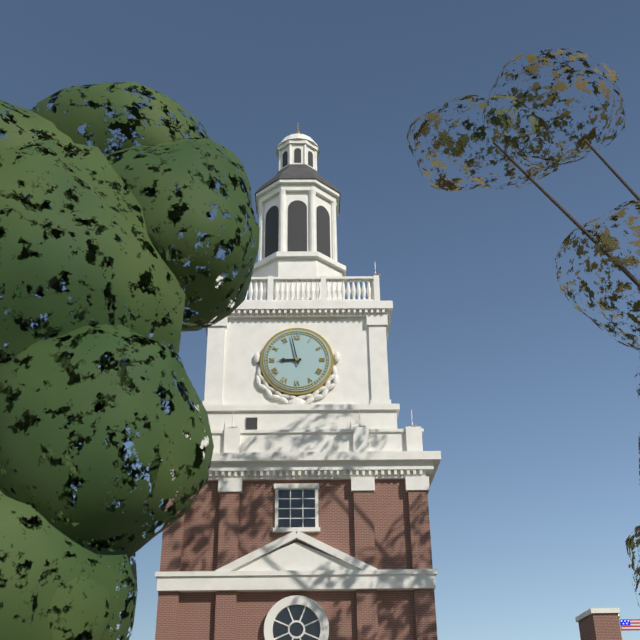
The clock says 8h58
